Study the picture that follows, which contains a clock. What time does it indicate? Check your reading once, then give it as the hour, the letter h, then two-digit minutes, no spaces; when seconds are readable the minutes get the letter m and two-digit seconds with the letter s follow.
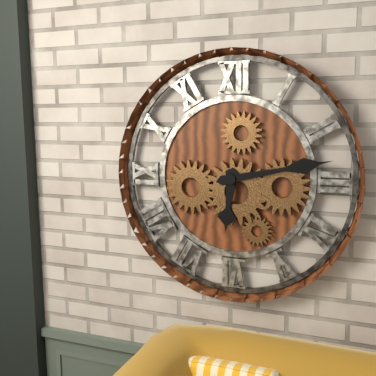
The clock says 6h13
